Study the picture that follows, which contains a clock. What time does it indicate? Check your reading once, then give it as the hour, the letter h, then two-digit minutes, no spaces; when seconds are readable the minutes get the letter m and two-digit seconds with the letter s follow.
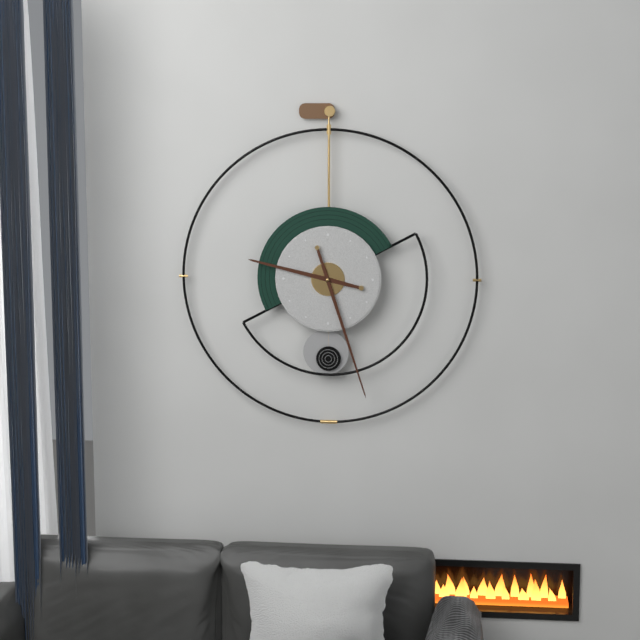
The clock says 9h27
